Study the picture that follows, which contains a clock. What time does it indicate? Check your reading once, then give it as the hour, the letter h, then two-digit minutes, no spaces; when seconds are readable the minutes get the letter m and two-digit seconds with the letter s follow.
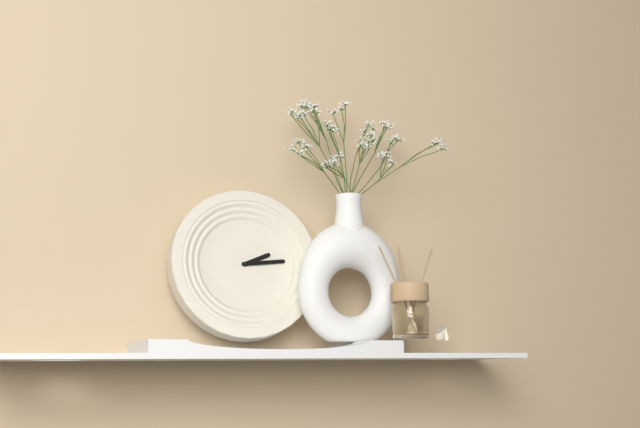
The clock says 2h14
